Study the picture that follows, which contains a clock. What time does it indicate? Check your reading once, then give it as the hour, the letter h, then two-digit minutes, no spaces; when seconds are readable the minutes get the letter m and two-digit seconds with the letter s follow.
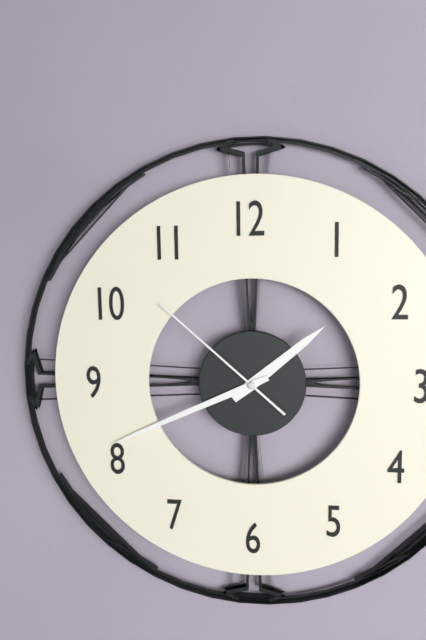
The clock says 1h41m52s
